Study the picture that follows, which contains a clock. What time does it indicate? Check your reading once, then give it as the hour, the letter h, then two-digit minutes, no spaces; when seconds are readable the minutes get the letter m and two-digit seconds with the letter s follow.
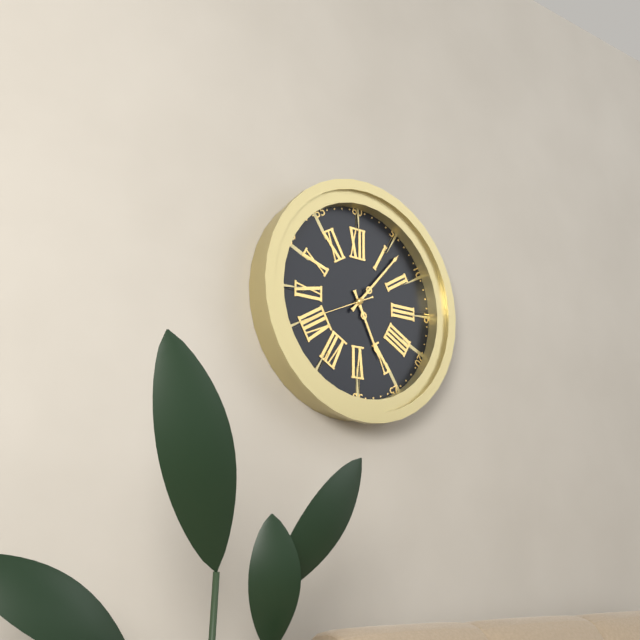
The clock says 5h07m41s
